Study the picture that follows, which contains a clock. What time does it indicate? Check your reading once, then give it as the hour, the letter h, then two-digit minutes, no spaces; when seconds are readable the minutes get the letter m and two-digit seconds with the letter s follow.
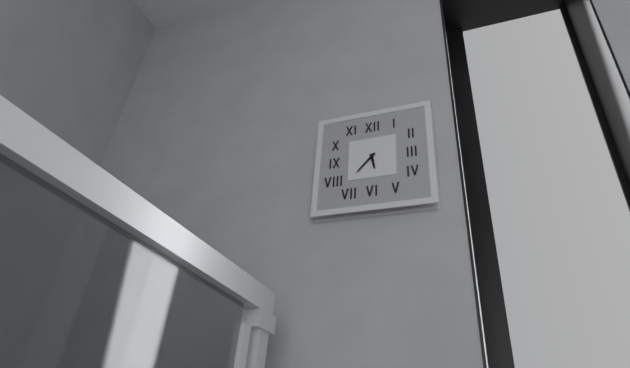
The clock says 5h37
